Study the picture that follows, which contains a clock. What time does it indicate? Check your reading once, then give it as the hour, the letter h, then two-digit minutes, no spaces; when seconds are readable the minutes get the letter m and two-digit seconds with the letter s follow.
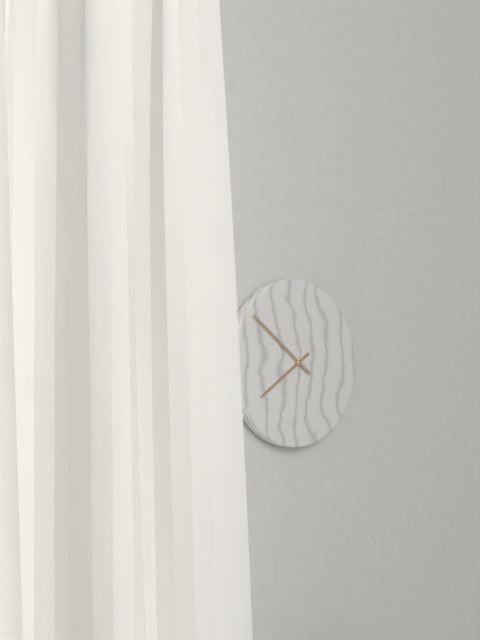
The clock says 7h51
